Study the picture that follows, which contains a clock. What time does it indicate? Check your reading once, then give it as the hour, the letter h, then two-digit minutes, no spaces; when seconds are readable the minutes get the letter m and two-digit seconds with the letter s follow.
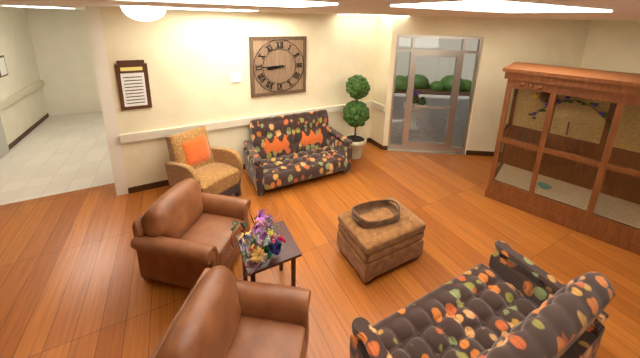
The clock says 8h45
